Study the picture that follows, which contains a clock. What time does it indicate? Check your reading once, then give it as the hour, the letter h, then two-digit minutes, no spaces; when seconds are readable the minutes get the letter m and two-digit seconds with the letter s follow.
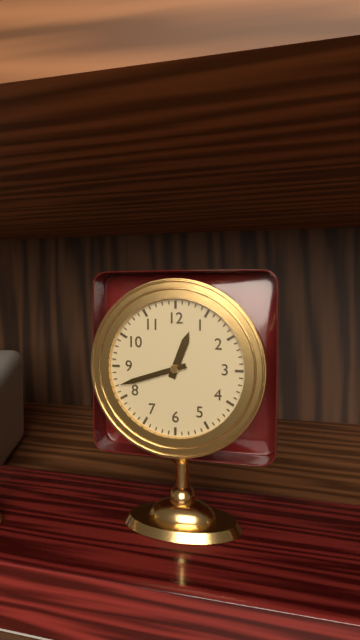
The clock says 12h42
